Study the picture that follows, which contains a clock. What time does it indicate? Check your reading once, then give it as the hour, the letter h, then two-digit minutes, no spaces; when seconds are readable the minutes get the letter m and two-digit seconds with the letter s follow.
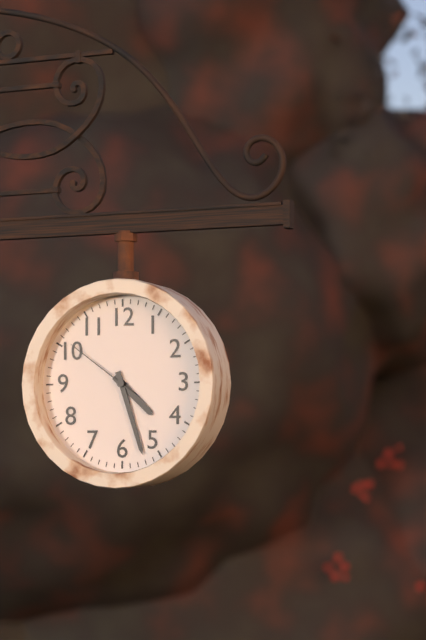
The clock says 4h27m51s
